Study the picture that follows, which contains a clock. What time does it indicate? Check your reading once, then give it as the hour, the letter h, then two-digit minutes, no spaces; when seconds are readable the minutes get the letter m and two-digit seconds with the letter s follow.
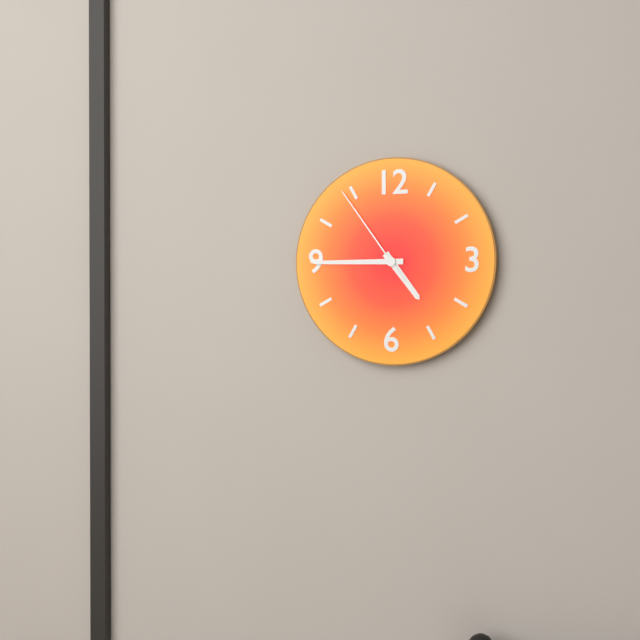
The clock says 4h45m54s
